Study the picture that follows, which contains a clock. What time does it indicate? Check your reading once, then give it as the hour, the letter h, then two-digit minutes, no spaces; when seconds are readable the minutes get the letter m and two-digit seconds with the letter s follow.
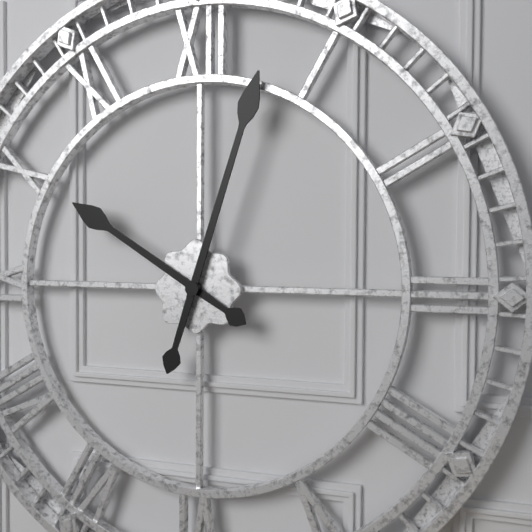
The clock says 10h03
